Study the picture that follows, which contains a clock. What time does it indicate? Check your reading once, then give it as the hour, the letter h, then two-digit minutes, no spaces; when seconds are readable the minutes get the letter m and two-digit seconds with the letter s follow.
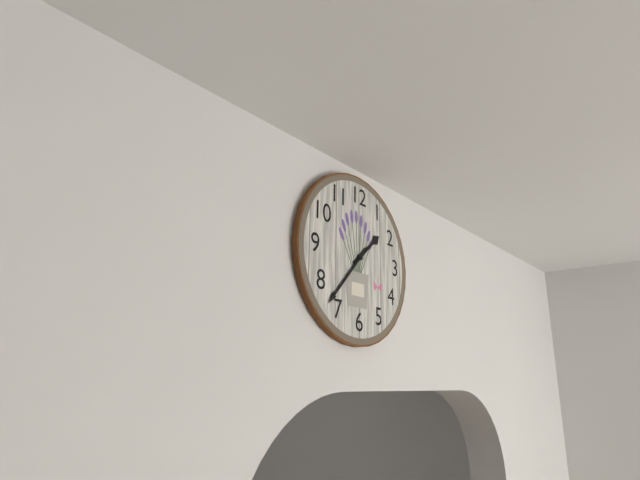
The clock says 1h37
